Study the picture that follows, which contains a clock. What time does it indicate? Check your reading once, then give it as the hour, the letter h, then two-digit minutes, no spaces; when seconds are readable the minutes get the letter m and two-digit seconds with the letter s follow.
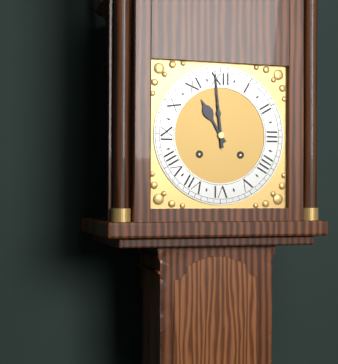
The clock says 10h59
